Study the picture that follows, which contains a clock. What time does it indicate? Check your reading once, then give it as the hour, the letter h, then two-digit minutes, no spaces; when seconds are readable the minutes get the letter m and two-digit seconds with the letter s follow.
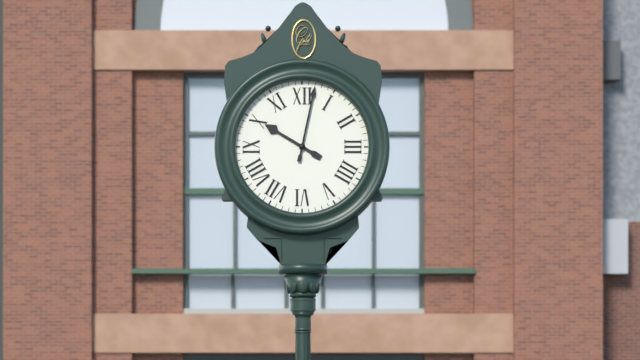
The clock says 10h02
